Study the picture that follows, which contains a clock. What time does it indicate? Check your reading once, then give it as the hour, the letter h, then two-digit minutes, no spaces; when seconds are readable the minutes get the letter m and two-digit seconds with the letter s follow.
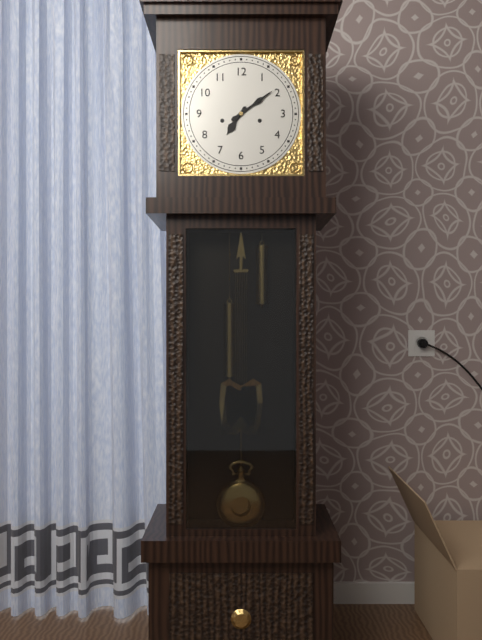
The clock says 7h09
